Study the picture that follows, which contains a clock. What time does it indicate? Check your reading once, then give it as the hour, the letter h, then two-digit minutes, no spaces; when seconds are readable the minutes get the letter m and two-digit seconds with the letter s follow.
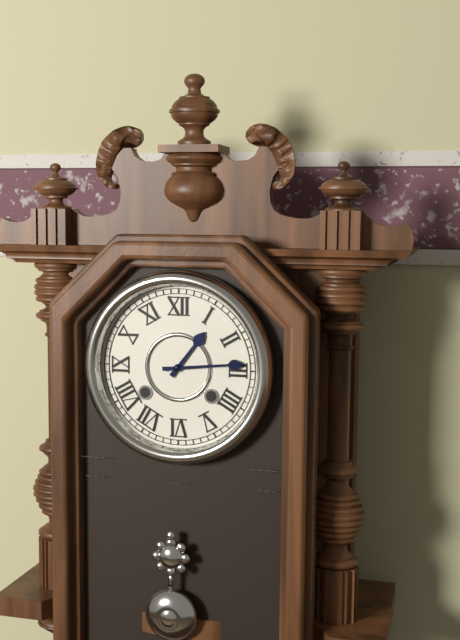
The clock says 1h14
